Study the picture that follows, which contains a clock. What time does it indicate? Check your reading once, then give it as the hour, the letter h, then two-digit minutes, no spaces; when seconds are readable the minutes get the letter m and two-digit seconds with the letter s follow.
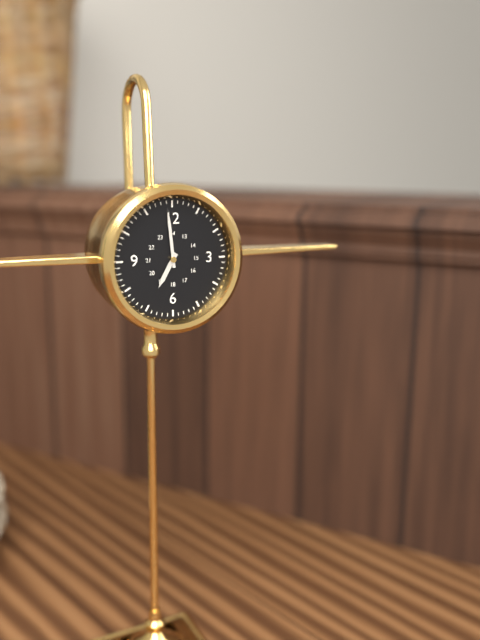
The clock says 6h59
